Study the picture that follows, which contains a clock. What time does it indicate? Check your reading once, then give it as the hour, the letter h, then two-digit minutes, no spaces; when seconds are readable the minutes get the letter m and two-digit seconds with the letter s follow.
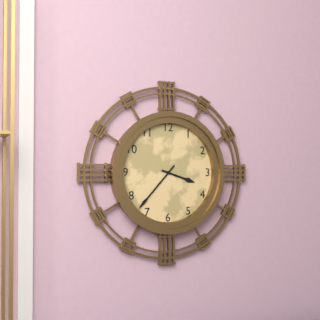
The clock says 3h37
